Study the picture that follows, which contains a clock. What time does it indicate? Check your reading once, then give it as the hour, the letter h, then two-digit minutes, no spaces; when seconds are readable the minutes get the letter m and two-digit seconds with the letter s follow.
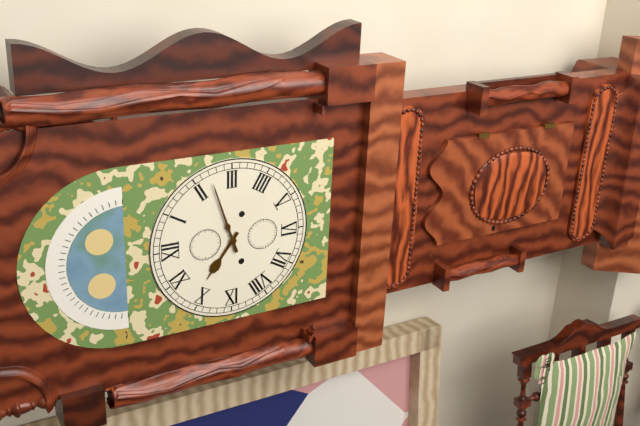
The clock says 10h12
